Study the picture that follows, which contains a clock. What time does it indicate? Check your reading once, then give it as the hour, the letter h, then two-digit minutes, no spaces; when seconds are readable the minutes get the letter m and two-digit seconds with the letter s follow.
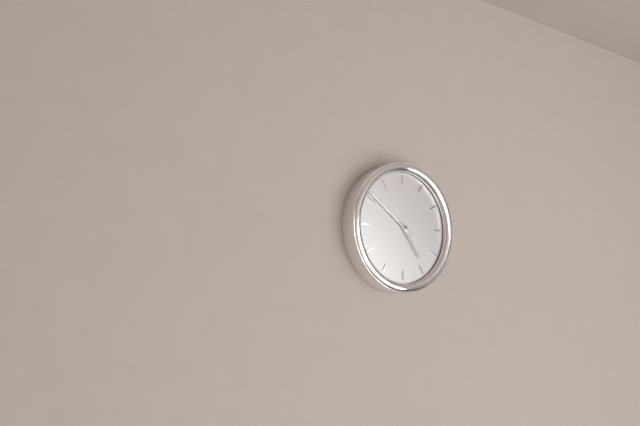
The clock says 4h51m51s
